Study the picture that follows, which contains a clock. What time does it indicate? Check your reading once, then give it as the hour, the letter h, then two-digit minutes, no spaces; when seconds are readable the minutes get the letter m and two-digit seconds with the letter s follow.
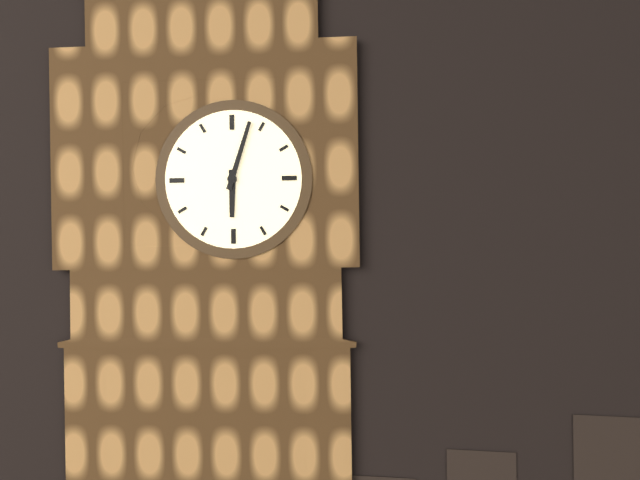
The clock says 6h03
